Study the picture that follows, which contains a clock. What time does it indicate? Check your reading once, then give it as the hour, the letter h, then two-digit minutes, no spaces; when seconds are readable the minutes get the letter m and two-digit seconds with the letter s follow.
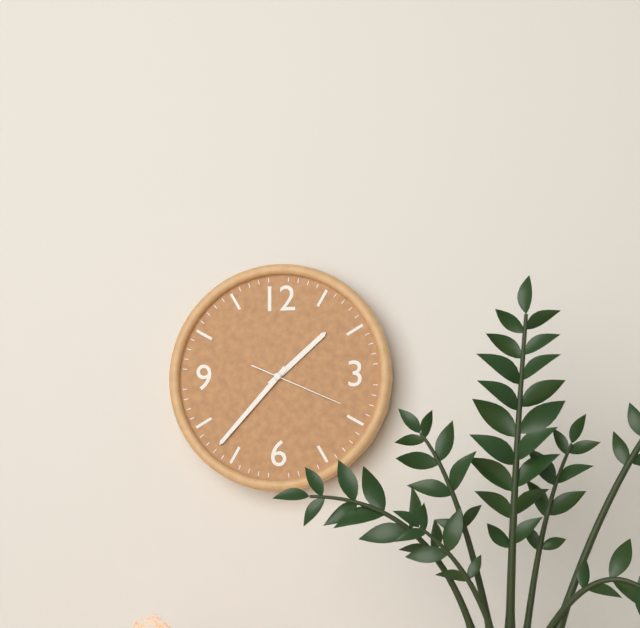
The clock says 1h37m19s
